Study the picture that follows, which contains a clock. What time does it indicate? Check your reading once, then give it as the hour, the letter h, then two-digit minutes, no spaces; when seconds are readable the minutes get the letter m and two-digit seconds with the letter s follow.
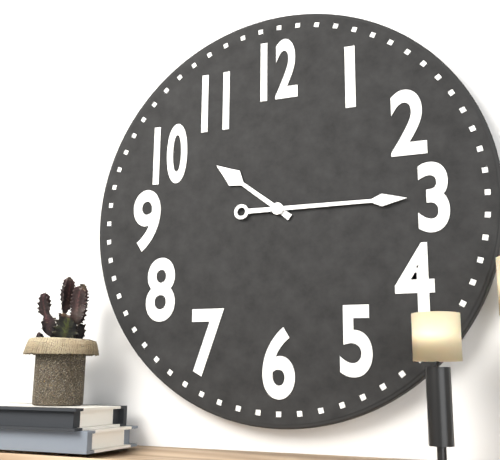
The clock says 10h15
